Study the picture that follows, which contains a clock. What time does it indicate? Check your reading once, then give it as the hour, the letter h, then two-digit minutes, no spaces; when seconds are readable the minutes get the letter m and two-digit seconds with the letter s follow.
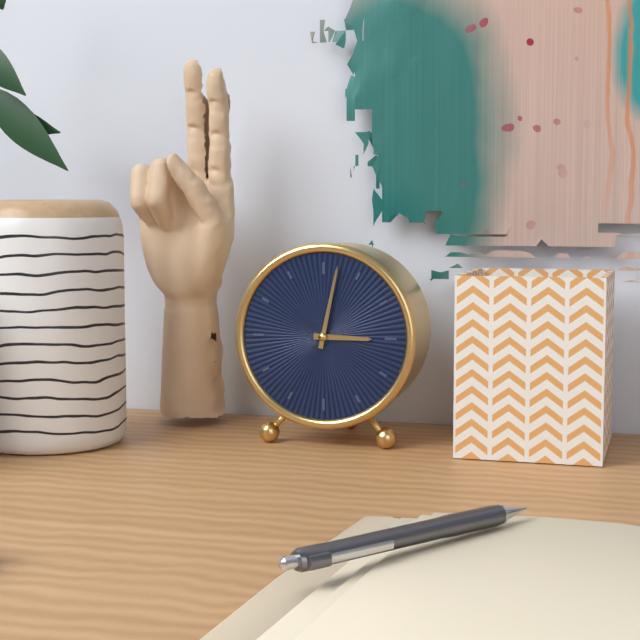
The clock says 3h02
